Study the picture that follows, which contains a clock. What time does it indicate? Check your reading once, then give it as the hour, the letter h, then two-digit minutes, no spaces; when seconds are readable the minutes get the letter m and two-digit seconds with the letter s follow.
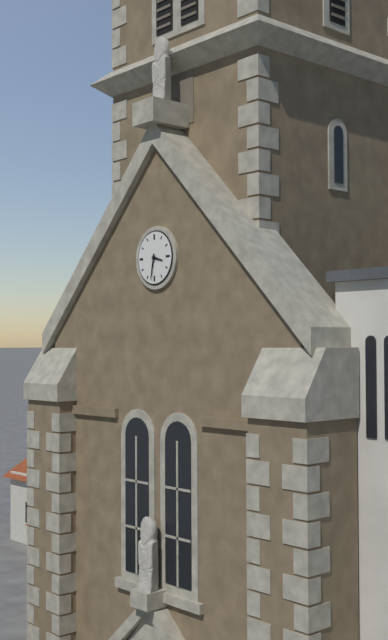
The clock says 3h32
